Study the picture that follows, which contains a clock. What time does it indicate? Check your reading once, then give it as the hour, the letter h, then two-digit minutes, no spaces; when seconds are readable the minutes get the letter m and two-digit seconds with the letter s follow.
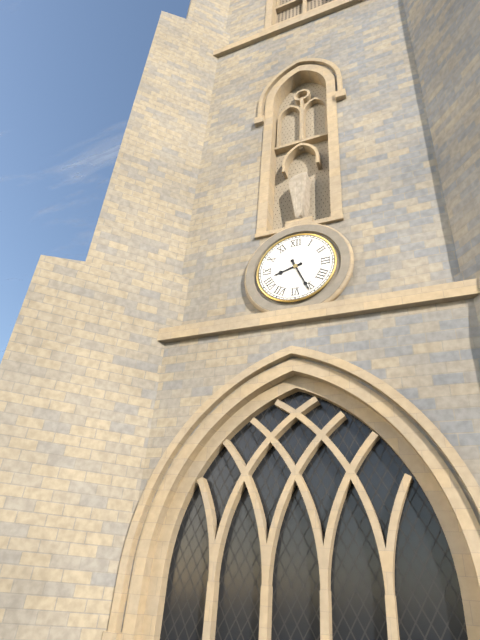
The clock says 8h26
